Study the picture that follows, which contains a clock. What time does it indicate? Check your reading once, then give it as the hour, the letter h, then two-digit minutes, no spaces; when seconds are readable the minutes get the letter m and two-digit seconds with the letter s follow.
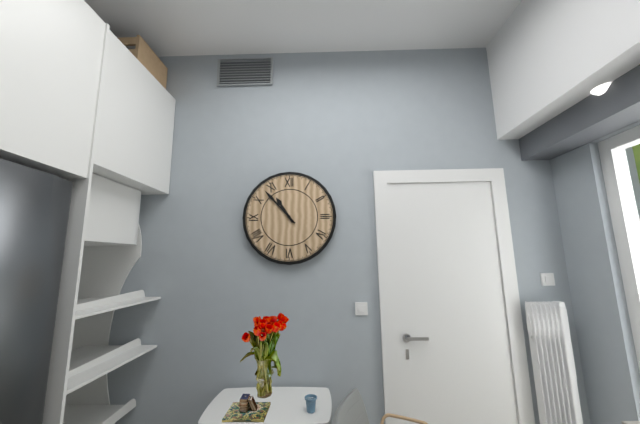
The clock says 10h53
